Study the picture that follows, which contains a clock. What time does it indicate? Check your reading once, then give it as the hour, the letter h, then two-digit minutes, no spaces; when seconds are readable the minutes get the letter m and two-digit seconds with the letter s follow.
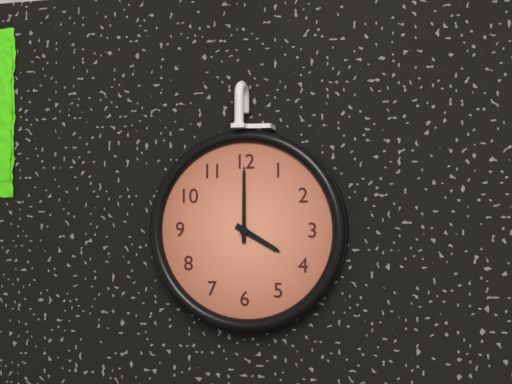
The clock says 4h00
